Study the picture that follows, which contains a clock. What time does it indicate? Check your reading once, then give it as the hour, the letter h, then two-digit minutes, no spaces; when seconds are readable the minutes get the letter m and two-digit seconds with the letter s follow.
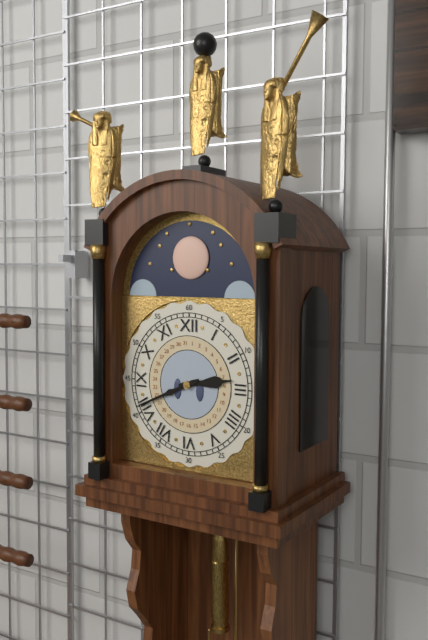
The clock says 2h41
